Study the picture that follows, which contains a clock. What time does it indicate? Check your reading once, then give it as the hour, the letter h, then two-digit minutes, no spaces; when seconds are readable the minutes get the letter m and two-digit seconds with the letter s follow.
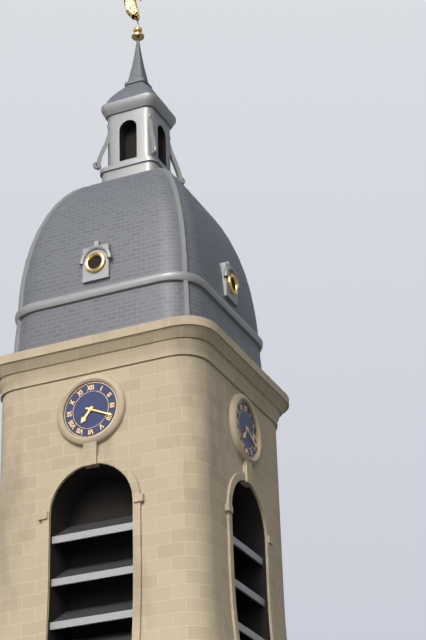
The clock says 7h19
